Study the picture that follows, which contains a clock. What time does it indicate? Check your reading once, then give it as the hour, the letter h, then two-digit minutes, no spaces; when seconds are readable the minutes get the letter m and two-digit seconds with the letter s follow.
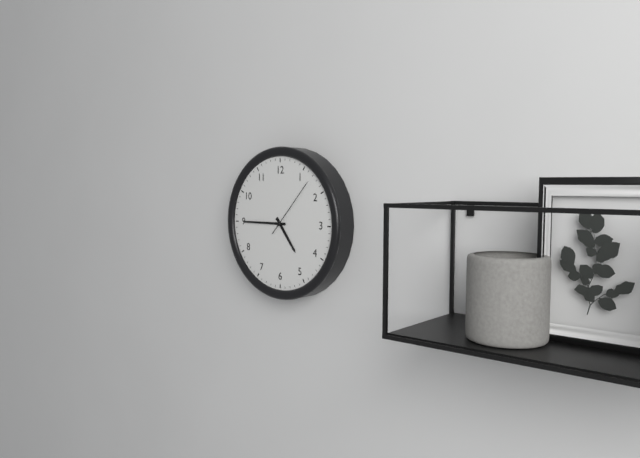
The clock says 4h45m07s
